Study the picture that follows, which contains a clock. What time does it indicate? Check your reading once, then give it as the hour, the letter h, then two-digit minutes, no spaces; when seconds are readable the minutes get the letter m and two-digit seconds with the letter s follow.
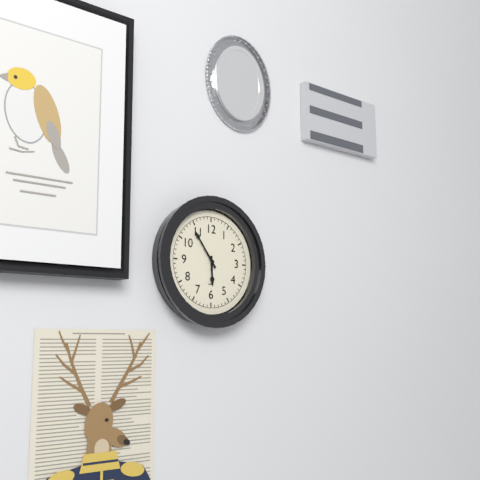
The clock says 5h54
